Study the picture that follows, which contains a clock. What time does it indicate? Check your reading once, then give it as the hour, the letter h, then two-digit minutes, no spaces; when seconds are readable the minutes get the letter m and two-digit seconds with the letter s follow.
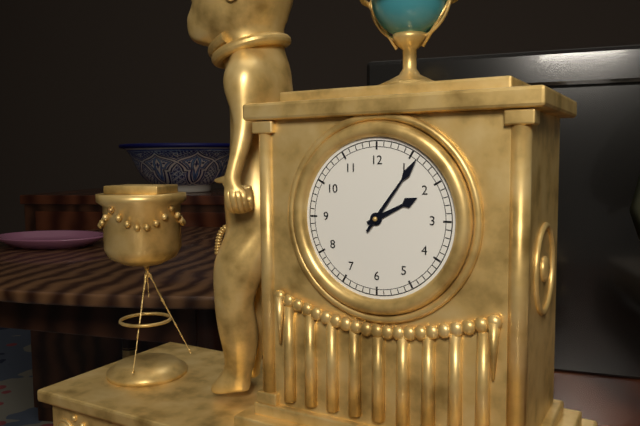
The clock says 2h06
